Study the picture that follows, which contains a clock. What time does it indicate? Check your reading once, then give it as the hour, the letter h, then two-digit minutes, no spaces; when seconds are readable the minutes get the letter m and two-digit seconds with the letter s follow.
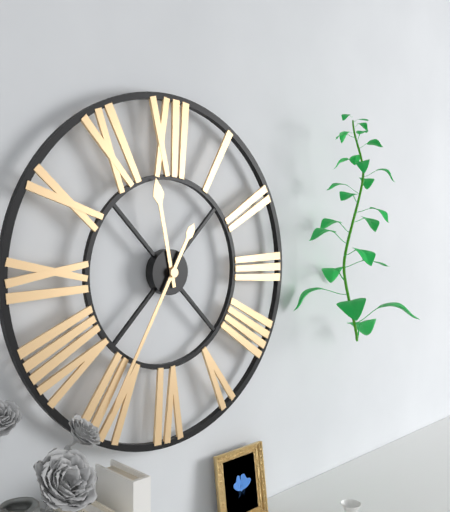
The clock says 11h35
